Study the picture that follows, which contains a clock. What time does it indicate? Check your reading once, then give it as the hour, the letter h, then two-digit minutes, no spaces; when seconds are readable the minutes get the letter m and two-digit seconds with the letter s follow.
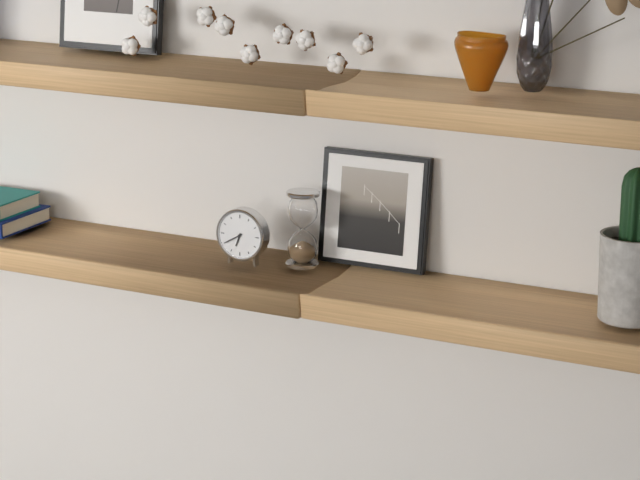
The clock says 6h40
